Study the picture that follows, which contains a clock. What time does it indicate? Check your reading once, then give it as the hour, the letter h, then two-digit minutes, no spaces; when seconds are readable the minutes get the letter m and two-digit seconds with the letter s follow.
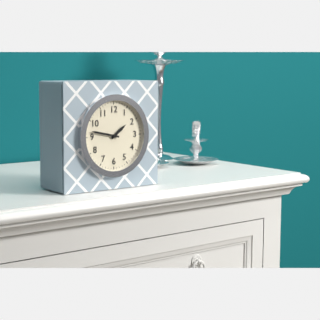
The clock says 1h47
